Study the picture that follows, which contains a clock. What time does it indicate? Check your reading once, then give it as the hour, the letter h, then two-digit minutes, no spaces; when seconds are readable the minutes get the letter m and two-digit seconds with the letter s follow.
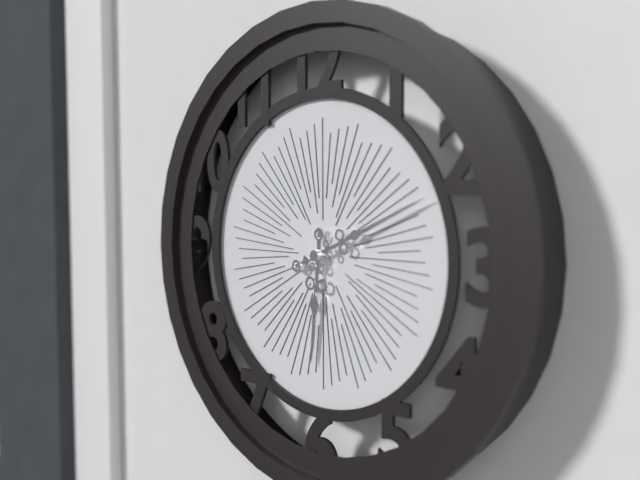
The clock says 6h11
